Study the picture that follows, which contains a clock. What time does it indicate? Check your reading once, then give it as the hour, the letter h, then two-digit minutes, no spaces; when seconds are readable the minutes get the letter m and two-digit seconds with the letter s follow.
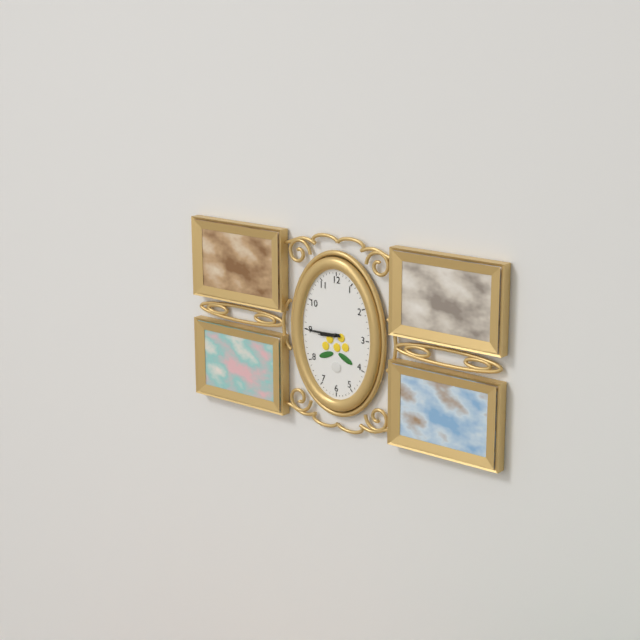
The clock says 8h45
